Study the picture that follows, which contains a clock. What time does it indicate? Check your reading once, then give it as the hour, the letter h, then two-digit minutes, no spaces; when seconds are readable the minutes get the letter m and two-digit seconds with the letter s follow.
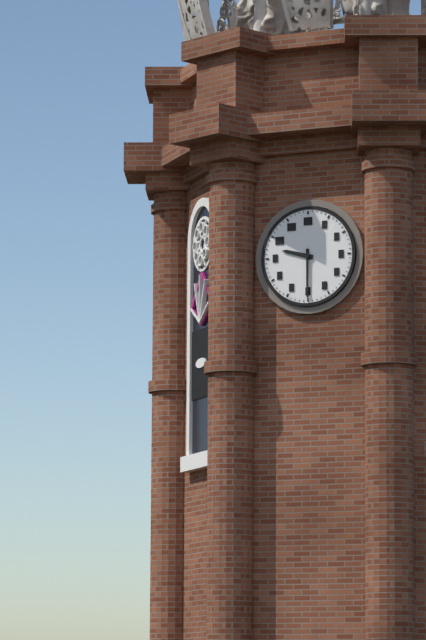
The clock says 9h30
